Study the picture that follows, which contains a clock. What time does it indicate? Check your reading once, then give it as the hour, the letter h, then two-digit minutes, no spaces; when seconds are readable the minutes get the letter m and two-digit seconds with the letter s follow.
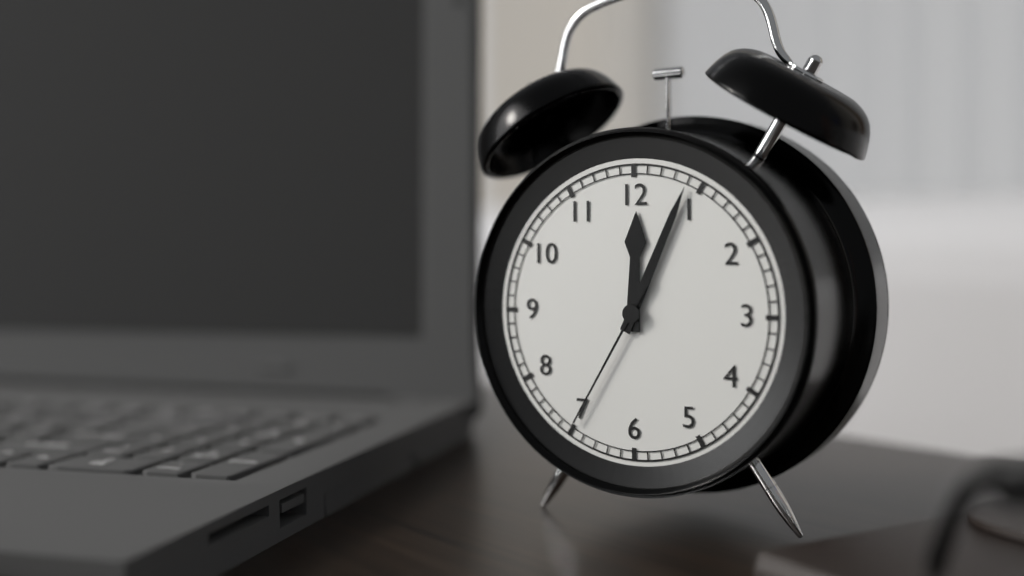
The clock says 12h04m35s
